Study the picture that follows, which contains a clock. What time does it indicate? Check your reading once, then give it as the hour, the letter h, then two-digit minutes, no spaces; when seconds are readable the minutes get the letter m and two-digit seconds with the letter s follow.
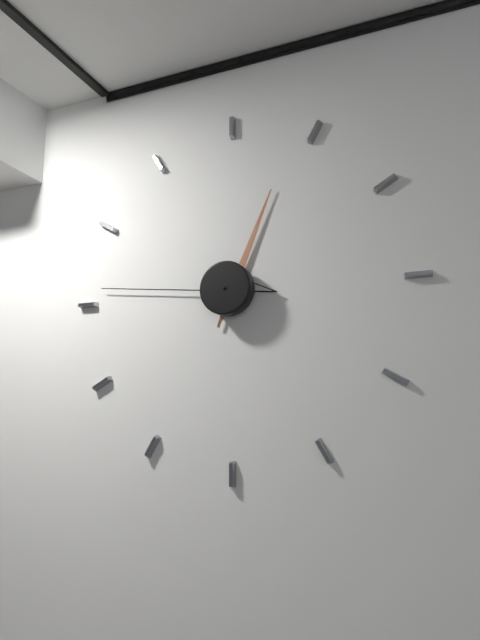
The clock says 12h46
